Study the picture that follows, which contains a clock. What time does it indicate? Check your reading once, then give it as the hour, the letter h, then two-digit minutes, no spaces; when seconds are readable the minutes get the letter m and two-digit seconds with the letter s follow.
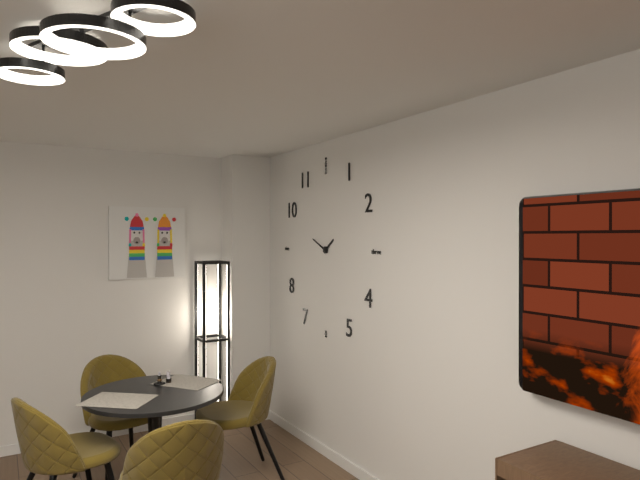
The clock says 1h49
